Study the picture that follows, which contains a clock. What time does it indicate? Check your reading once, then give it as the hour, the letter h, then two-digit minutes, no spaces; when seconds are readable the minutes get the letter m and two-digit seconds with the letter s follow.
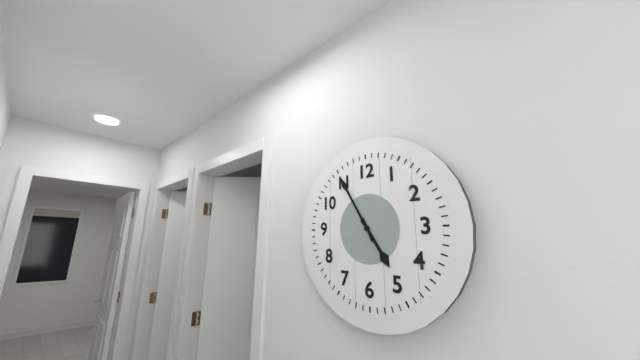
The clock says 4h55
